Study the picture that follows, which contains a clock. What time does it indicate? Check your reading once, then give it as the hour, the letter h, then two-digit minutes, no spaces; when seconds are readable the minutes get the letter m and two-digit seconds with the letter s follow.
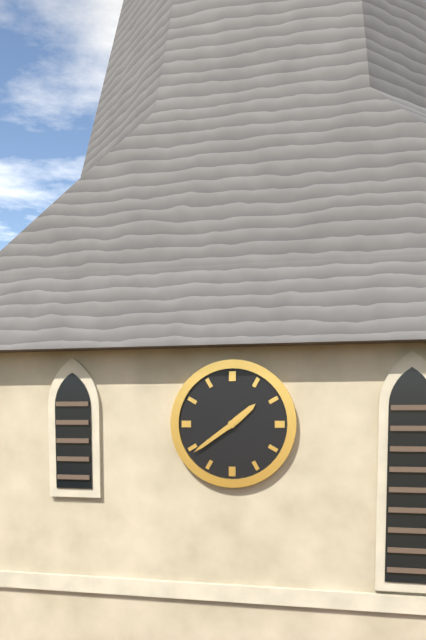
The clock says 1h39
